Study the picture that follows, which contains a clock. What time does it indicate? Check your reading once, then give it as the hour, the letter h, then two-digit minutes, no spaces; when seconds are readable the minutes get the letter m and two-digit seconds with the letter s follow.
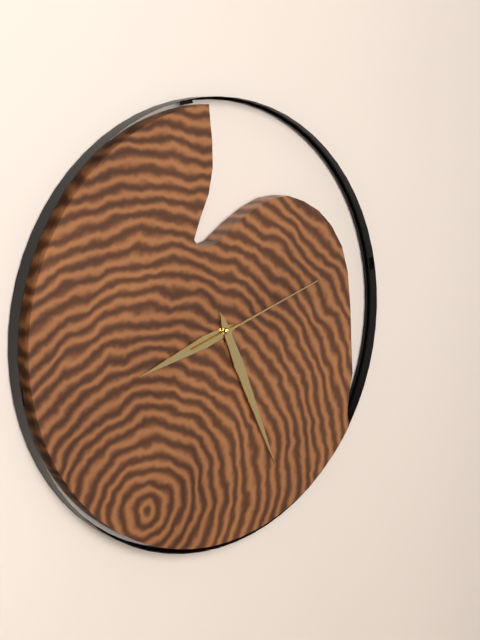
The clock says 8h26m12s
